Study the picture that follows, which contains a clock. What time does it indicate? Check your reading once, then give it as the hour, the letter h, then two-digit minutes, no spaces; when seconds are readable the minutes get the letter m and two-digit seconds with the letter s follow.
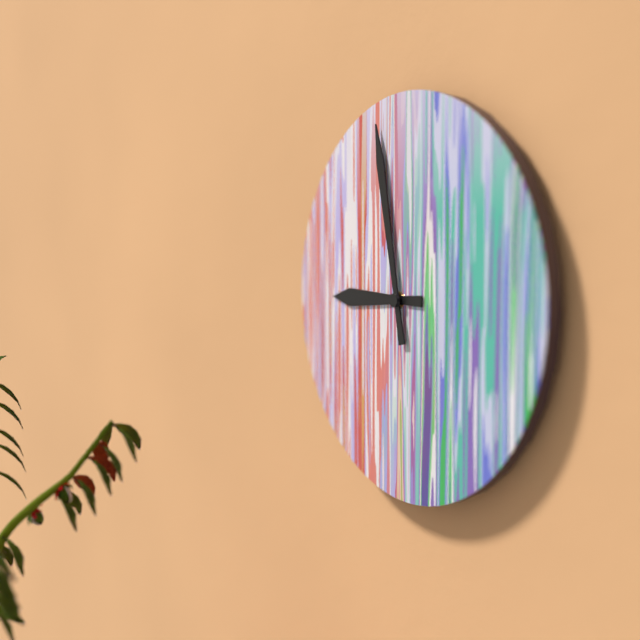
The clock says 8h58
